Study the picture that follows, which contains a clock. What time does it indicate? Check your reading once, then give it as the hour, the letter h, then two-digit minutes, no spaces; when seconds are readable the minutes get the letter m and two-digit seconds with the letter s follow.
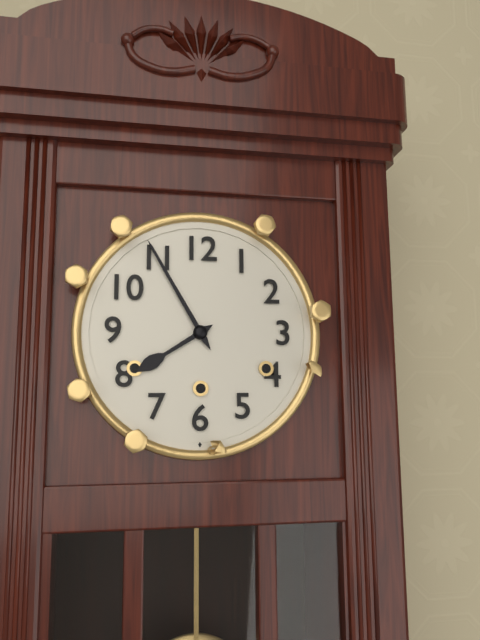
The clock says 7h55
